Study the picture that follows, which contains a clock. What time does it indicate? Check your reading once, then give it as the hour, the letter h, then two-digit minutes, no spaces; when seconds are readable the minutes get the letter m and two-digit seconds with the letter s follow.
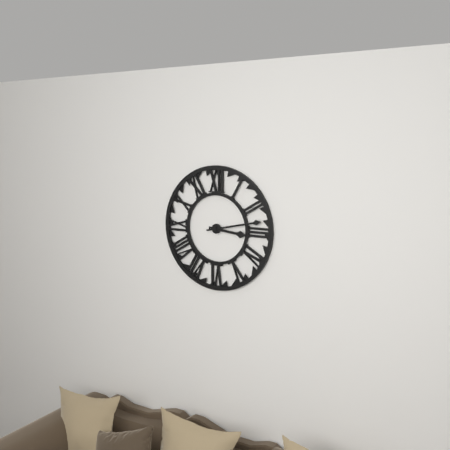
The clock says 3h13
